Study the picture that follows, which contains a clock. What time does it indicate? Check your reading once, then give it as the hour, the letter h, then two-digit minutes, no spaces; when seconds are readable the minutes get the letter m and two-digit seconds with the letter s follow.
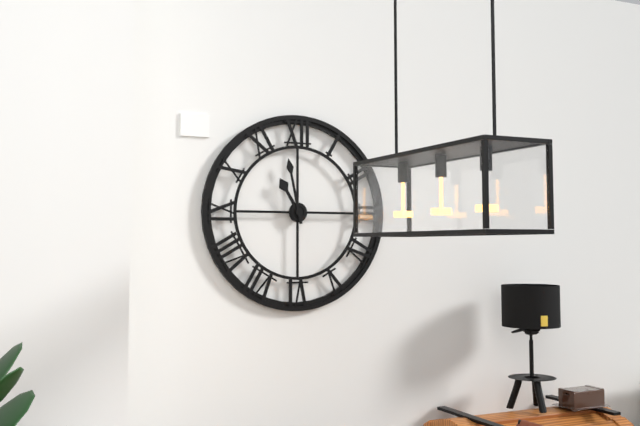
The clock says 10h58
